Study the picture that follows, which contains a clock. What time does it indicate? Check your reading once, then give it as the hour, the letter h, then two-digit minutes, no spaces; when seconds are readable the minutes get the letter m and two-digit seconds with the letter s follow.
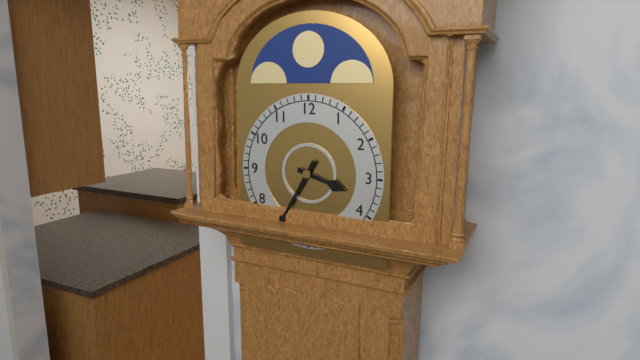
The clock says 3h35
